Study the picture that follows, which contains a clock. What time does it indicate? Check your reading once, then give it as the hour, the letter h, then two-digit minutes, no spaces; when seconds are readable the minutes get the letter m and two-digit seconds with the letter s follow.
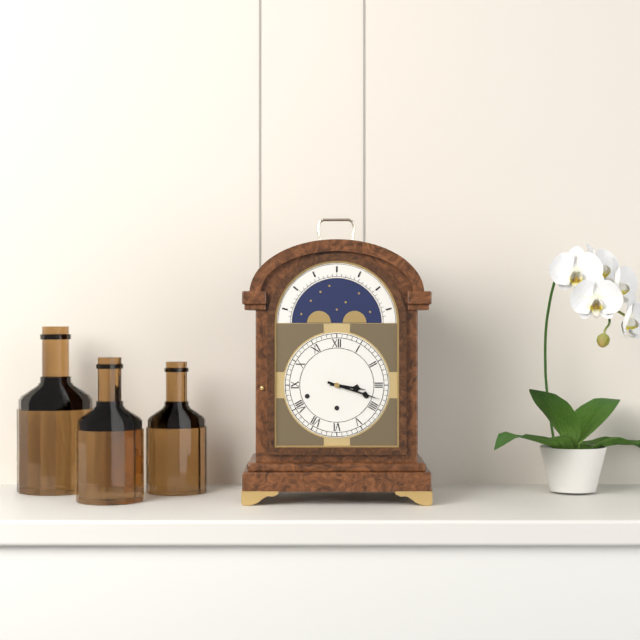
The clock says 3h18
